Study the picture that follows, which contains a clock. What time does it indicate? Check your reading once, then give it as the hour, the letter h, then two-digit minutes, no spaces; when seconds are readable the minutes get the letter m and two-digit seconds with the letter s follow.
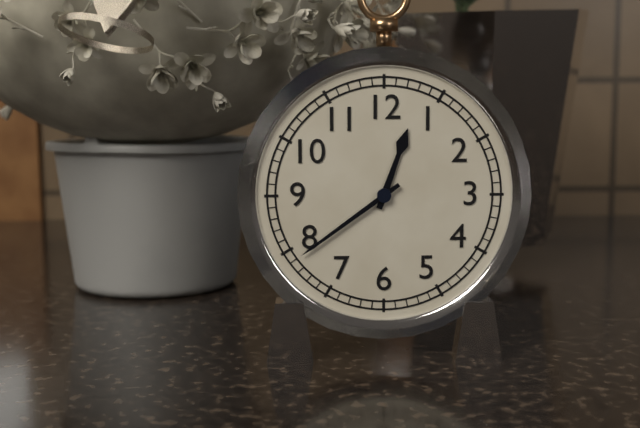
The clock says 12h39
